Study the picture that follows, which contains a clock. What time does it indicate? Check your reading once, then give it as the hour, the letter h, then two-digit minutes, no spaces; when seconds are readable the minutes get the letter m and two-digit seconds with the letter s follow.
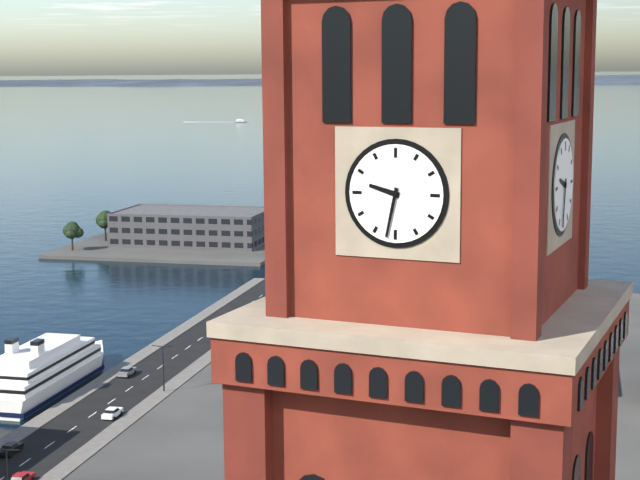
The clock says 9h32
